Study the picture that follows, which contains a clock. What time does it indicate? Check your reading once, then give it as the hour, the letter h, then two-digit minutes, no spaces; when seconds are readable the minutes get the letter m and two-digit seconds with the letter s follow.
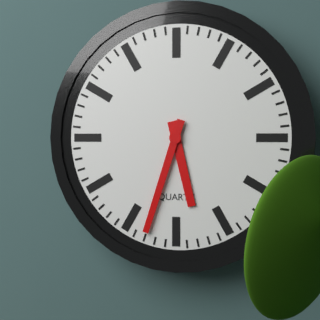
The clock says 5h33
